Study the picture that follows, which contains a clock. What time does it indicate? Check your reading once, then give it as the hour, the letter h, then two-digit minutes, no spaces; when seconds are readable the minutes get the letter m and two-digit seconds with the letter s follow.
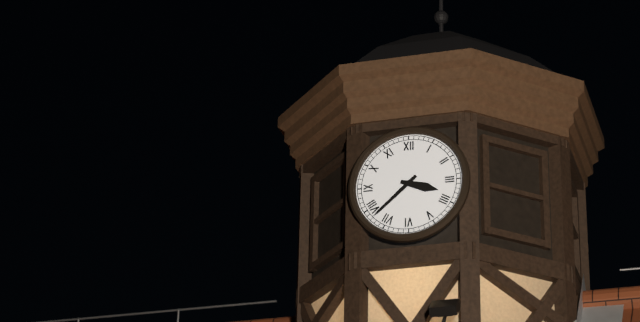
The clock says 3h38
